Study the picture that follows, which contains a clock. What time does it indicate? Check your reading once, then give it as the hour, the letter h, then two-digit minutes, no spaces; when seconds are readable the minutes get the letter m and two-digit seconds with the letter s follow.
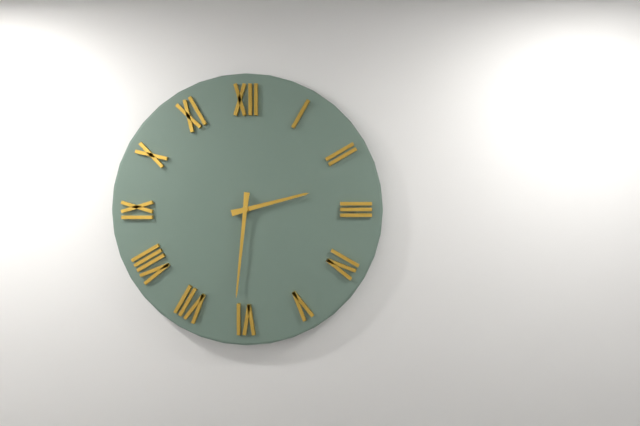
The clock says 2h31
